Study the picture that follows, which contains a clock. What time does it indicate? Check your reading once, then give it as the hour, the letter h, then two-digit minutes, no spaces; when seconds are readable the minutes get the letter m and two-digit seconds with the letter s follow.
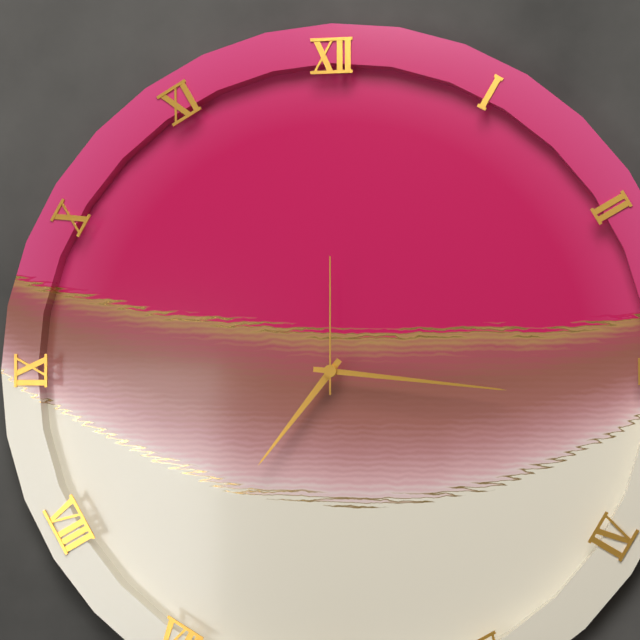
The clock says 7h16m00s
